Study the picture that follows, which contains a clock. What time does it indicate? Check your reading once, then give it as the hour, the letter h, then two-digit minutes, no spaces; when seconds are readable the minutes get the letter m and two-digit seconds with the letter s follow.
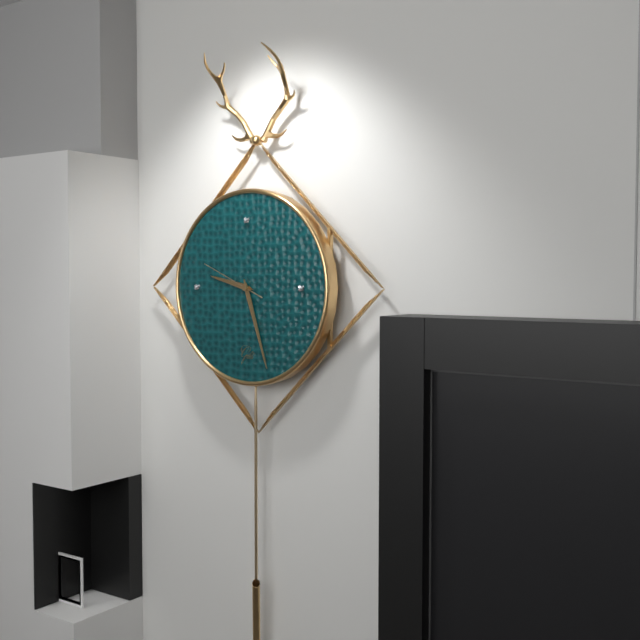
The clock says 9h27m49s
